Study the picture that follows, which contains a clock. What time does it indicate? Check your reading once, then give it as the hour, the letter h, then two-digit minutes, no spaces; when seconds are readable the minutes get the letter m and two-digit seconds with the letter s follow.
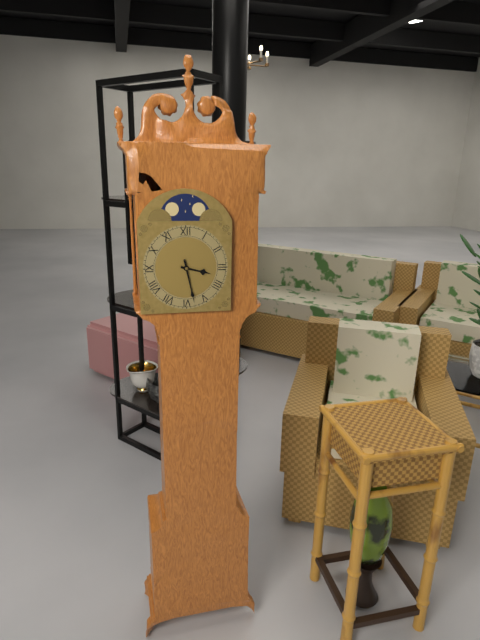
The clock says 3h28
